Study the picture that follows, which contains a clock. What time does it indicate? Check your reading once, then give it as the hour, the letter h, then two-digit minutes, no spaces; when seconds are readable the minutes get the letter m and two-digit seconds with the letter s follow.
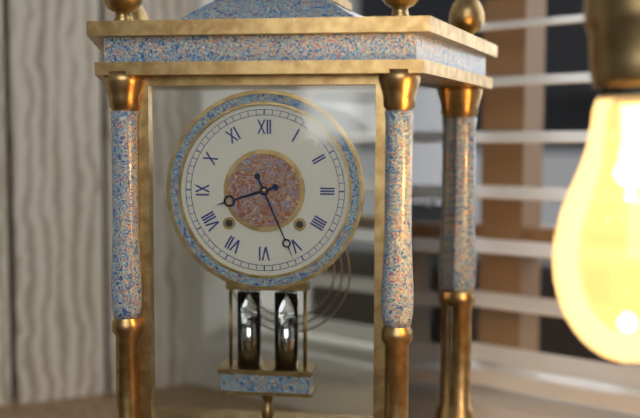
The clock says 8h26
